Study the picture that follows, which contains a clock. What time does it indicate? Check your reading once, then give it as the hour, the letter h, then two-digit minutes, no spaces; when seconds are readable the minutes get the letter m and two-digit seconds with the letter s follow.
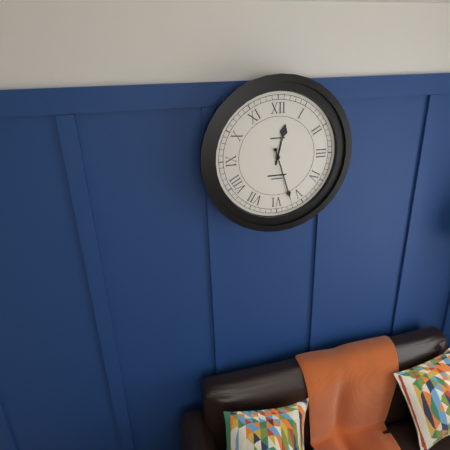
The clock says 12h27
